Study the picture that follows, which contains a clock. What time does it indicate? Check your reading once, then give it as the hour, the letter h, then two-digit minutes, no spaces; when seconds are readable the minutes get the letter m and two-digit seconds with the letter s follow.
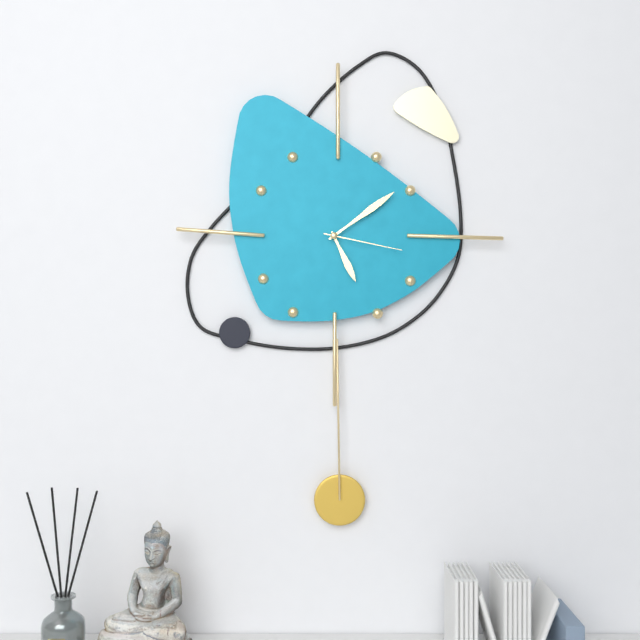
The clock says 5h09m17s
